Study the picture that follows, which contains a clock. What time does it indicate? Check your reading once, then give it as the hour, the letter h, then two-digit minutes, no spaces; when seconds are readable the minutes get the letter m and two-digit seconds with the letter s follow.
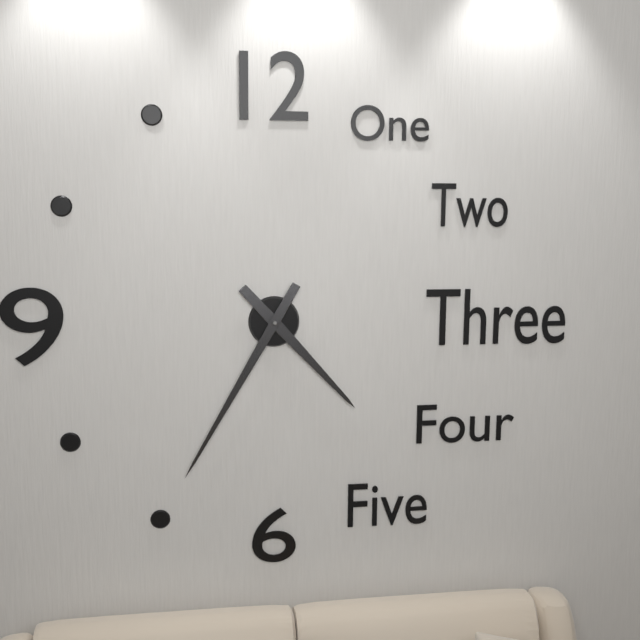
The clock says 4h35
